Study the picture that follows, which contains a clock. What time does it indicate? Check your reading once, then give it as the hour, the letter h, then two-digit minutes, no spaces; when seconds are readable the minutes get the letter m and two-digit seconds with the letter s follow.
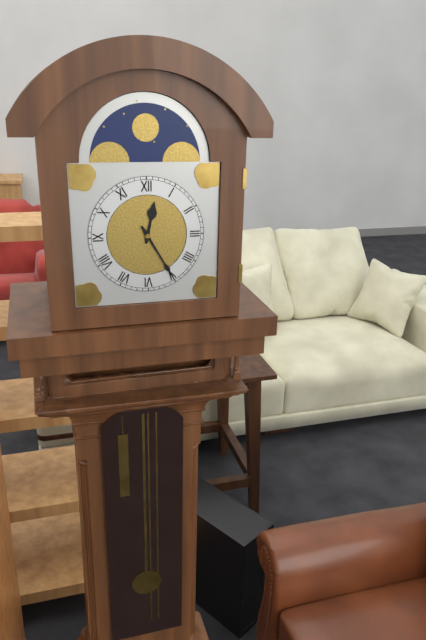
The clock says 12h25
